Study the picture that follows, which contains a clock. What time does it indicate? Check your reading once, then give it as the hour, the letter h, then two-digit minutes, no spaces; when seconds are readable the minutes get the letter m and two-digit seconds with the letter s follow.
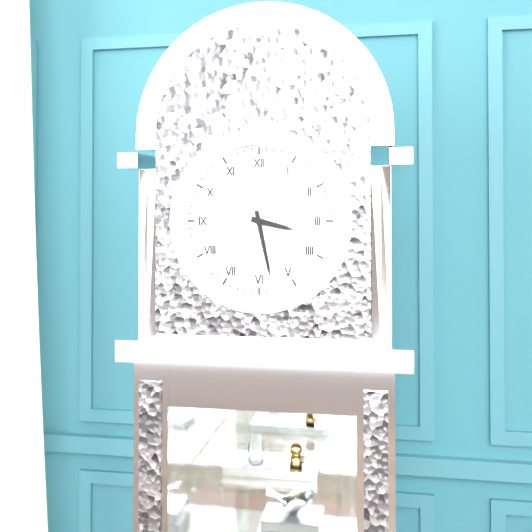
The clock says 3h28
